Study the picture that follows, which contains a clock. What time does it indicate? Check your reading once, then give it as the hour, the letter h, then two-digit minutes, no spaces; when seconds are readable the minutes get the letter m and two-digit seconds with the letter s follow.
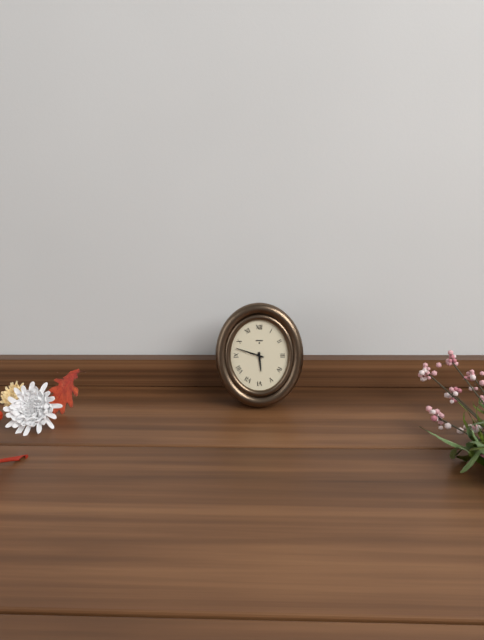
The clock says 5h48
